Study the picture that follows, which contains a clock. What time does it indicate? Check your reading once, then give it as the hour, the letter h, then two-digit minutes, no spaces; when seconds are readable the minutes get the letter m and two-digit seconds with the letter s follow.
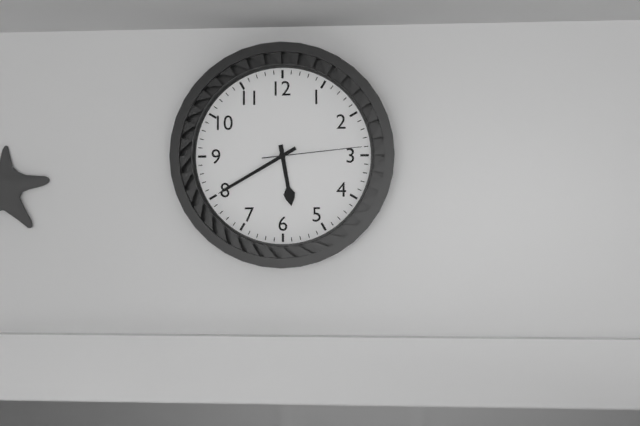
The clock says 5h40m14s
